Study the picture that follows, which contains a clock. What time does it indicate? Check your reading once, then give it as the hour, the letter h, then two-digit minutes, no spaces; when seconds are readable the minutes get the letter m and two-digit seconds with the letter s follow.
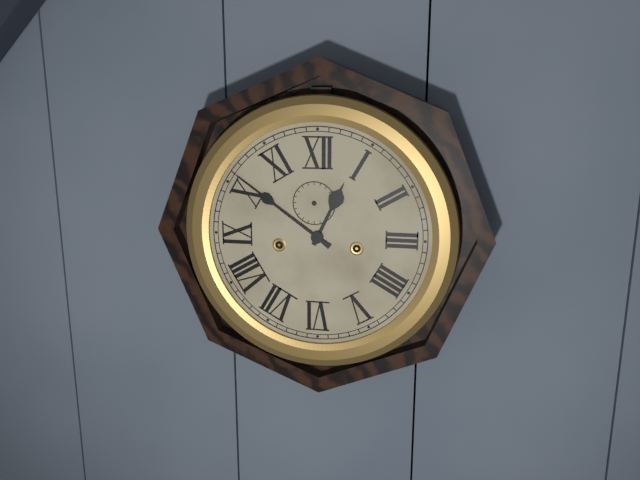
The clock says 12h51
